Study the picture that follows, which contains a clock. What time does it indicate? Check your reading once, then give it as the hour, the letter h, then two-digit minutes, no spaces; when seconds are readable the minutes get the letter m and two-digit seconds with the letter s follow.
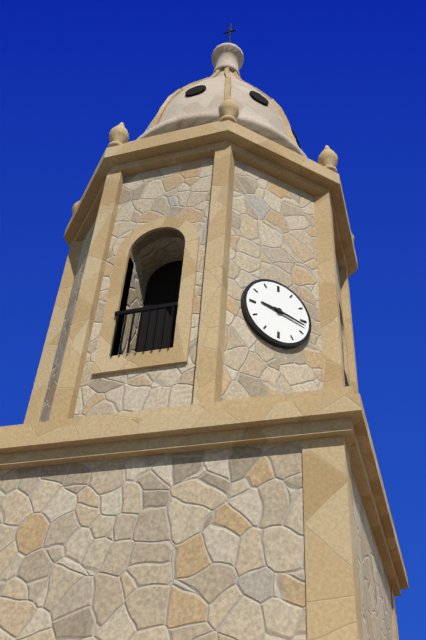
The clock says 9h17
